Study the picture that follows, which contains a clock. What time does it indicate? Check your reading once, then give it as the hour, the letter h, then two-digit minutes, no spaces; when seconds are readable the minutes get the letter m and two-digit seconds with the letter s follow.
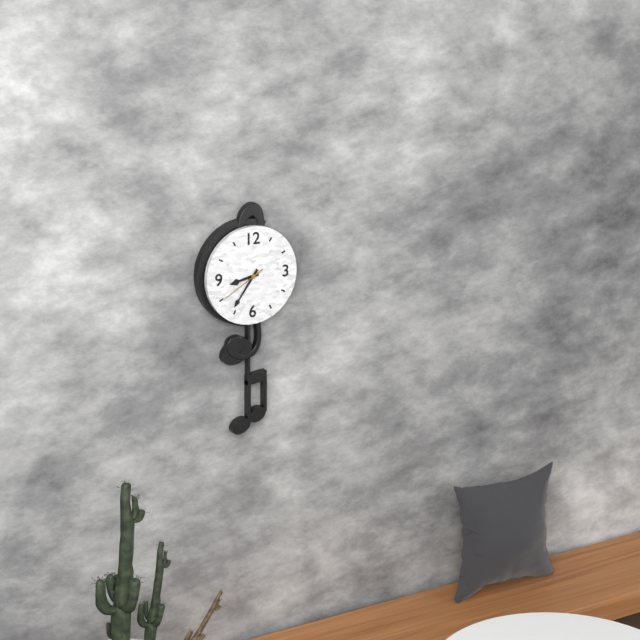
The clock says 8h36
